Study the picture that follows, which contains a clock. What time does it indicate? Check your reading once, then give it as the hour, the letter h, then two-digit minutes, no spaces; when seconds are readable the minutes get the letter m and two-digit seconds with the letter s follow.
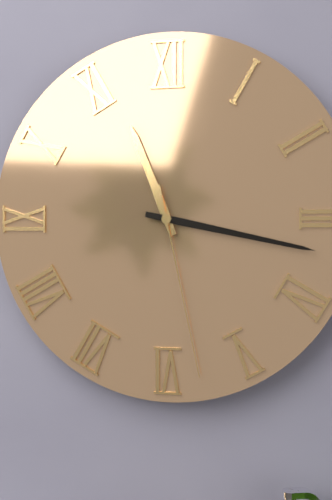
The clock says 11h17m28s
